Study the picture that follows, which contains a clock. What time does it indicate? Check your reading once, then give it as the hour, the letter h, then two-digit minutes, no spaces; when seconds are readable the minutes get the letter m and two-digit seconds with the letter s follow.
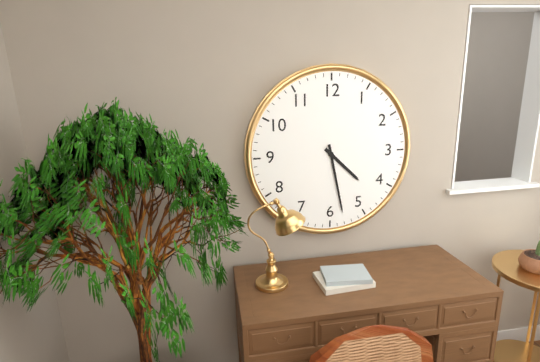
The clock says 4h28
